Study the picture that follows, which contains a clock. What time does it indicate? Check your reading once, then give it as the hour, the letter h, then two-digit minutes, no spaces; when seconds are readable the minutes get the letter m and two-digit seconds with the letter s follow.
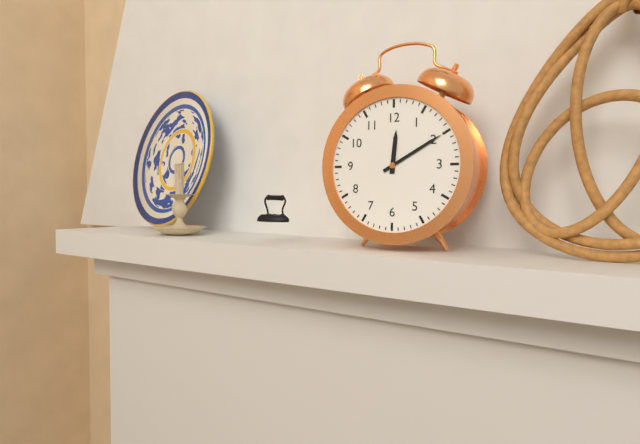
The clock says 12h10
